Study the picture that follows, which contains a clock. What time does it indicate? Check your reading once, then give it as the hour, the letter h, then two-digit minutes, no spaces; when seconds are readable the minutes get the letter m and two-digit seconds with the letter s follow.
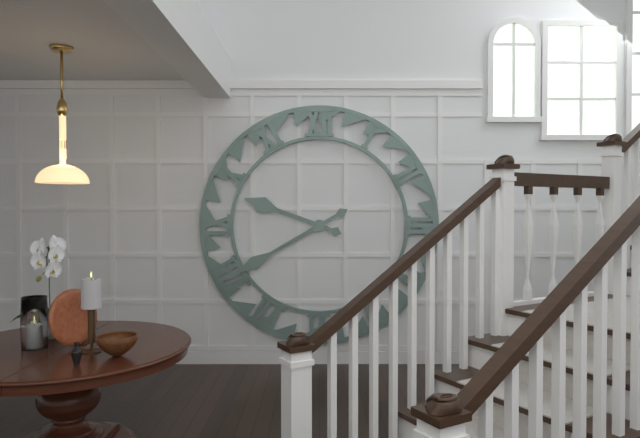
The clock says 9h40
